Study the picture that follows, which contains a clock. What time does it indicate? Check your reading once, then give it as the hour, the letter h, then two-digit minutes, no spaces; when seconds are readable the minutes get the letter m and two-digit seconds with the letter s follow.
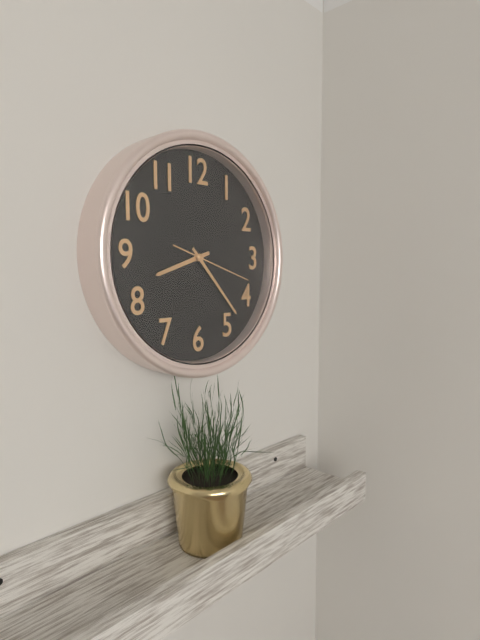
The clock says 8h23m18s
